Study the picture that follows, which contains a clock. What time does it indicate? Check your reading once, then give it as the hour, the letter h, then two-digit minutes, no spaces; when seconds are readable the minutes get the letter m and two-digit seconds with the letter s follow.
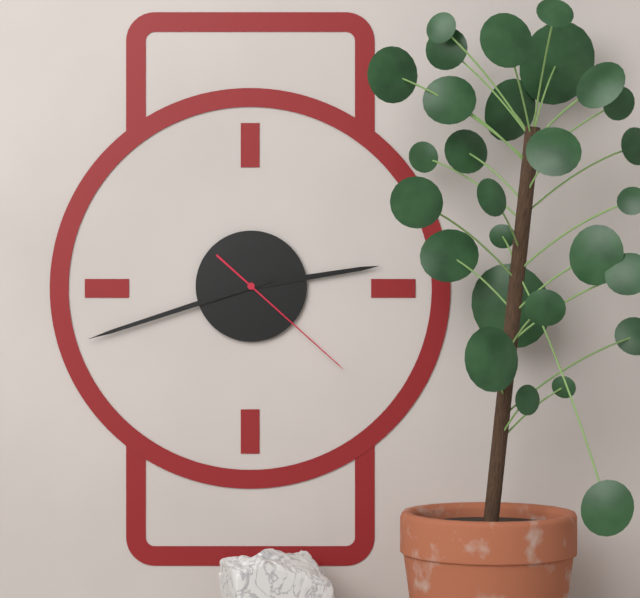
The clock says 2h42m22s
